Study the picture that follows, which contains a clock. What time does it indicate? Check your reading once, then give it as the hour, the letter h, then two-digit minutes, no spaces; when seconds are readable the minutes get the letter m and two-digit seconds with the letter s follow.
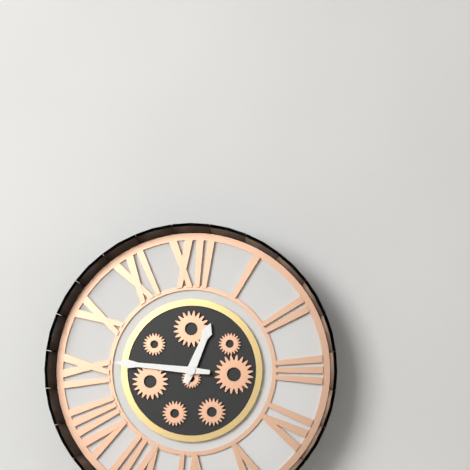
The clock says 12h46
